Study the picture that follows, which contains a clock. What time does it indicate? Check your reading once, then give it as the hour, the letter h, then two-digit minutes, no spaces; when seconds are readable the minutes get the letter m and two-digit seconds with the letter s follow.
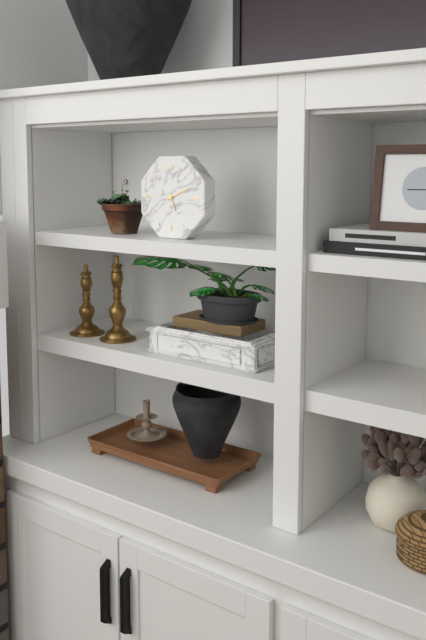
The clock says 5h11
